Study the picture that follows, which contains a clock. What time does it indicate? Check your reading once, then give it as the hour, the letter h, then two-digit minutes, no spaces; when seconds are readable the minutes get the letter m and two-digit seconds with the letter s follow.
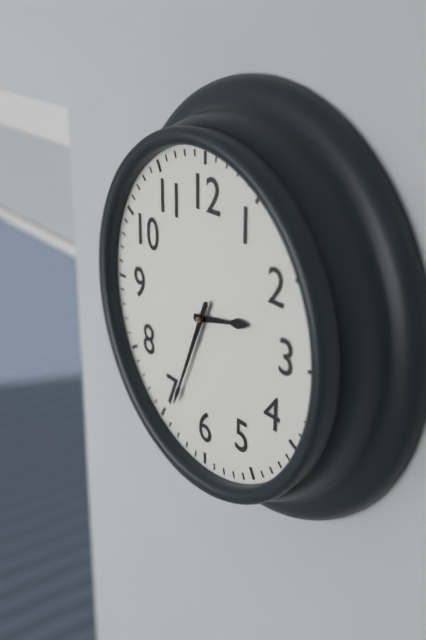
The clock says 2h34
